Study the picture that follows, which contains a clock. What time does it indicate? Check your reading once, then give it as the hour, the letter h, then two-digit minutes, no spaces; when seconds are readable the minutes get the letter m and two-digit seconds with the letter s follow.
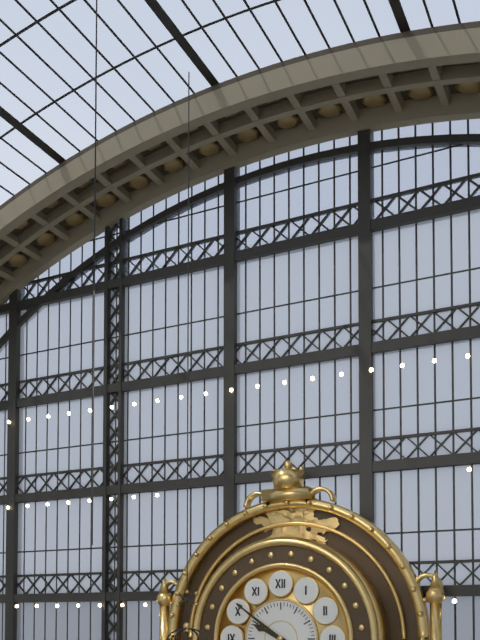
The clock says 9h51
